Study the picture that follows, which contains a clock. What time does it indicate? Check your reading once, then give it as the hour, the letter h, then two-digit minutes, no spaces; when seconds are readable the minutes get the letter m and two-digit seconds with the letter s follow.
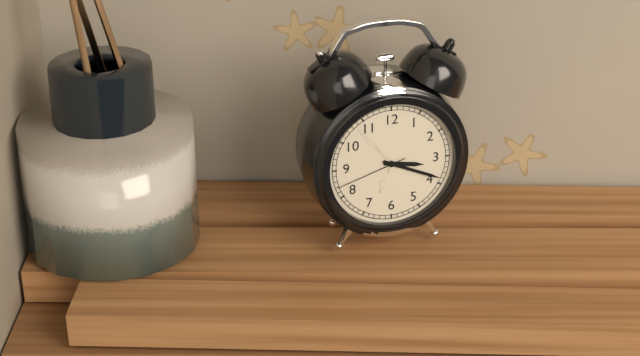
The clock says 3h19m42s
